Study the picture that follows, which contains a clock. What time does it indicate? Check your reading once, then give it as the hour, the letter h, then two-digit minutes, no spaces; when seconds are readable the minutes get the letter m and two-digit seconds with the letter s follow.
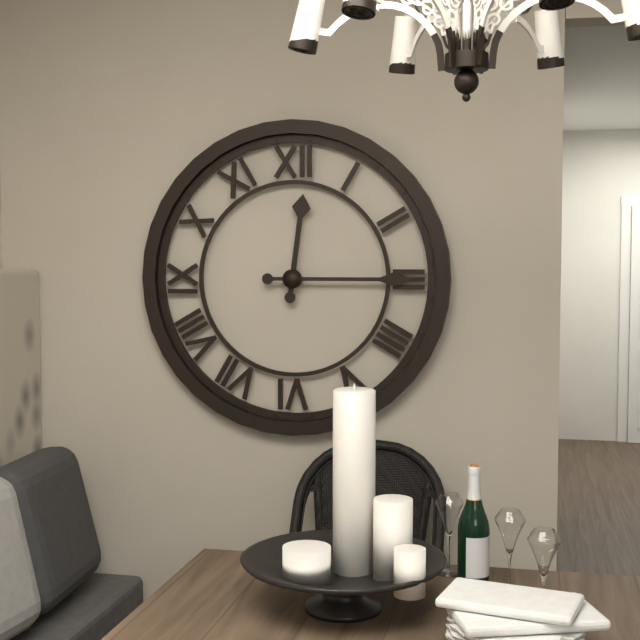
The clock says 12h15
